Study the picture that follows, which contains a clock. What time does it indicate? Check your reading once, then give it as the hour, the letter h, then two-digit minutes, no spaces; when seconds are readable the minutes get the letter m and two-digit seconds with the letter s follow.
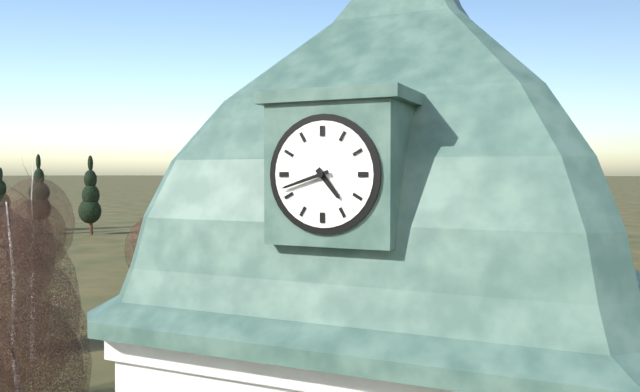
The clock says 4h42
